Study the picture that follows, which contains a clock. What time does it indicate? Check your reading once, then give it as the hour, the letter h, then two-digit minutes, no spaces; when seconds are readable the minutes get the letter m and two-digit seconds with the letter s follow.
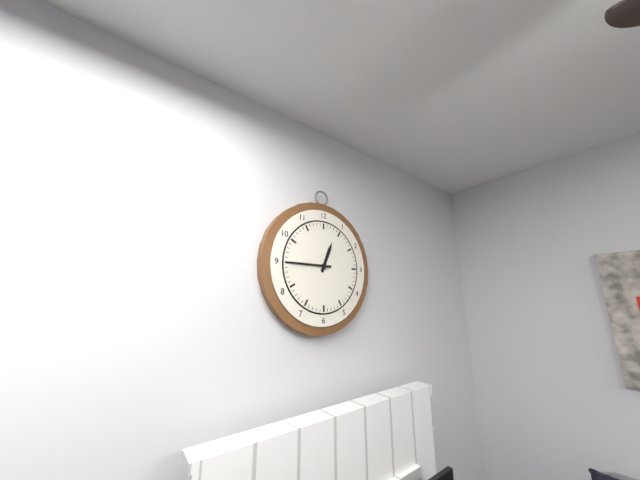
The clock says 12h45
